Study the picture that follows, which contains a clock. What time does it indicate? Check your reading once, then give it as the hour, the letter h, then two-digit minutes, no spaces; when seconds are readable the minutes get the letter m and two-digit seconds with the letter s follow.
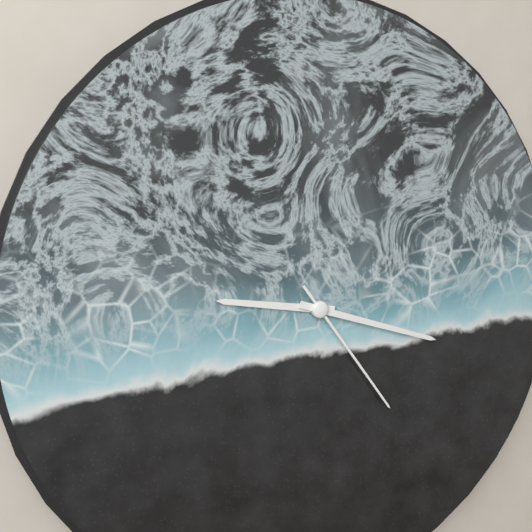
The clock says 9h18m24s
